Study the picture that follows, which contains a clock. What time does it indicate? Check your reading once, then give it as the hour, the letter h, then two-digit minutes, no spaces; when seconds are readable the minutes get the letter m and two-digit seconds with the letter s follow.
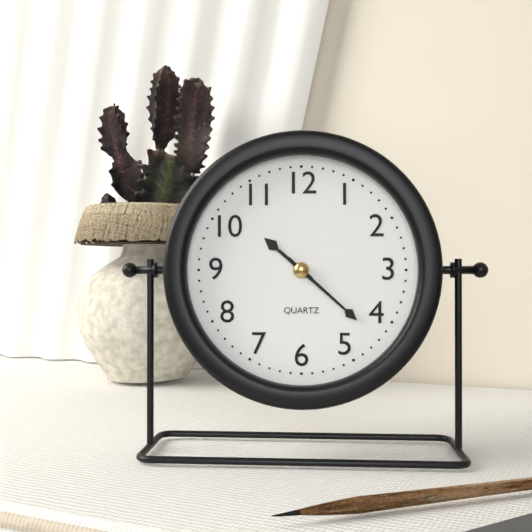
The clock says 10h22
